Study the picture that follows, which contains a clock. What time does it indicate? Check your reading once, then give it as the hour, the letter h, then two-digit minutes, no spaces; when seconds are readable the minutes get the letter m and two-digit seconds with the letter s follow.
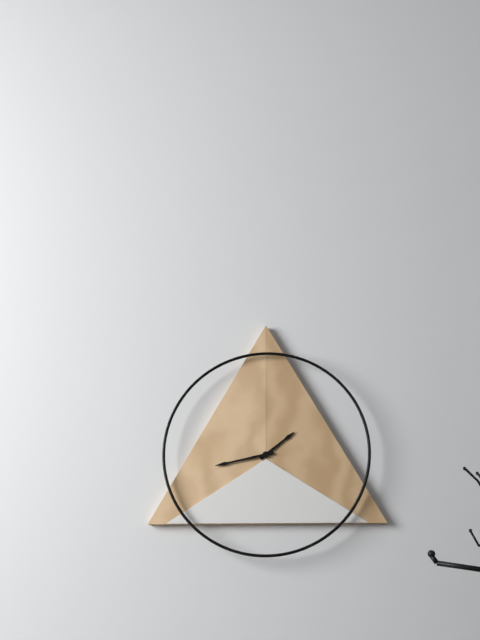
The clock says 1h43
